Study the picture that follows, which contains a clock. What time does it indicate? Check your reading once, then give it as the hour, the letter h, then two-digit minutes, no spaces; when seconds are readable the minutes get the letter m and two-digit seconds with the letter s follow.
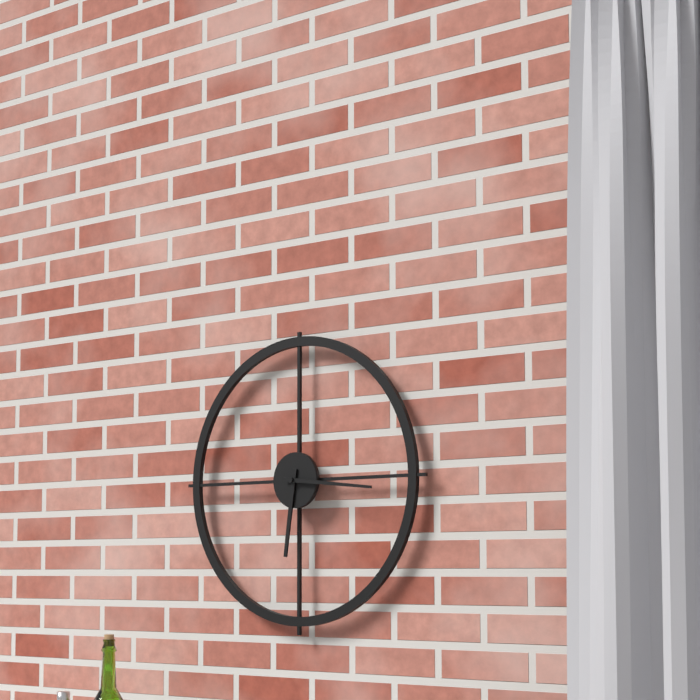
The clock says 6h16
